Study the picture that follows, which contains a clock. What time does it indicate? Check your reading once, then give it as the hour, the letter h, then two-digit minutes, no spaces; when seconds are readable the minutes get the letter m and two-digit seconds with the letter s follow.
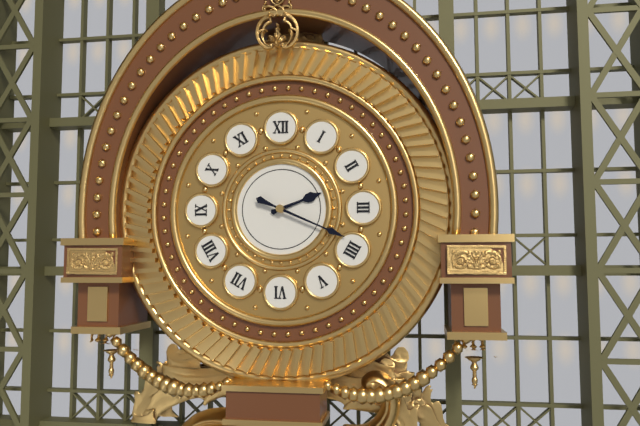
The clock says 2h19
